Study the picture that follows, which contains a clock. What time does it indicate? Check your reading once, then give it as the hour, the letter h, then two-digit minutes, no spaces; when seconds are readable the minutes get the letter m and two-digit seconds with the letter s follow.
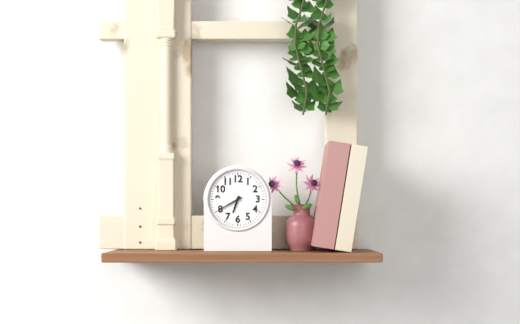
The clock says 6h40
